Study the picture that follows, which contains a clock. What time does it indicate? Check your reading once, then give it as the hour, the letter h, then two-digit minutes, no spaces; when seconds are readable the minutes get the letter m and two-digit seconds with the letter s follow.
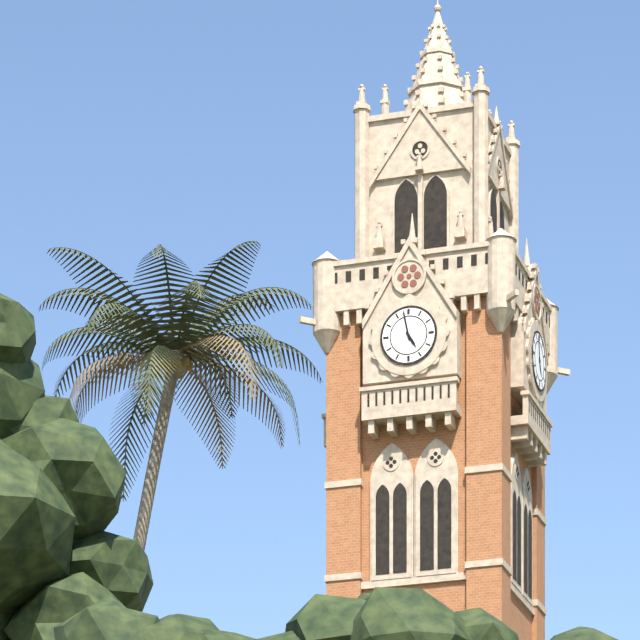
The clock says 4h58
